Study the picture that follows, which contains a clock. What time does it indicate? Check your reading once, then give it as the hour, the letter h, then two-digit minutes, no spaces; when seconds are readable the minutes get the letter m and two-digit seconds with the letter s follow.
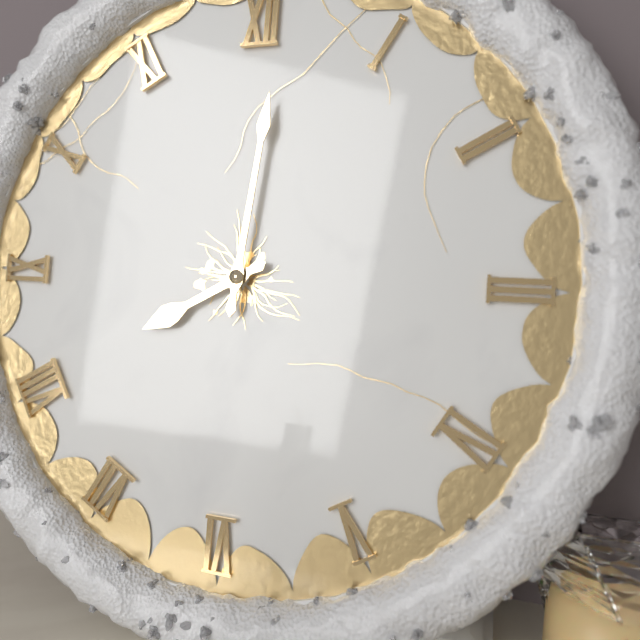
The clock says 8h01
